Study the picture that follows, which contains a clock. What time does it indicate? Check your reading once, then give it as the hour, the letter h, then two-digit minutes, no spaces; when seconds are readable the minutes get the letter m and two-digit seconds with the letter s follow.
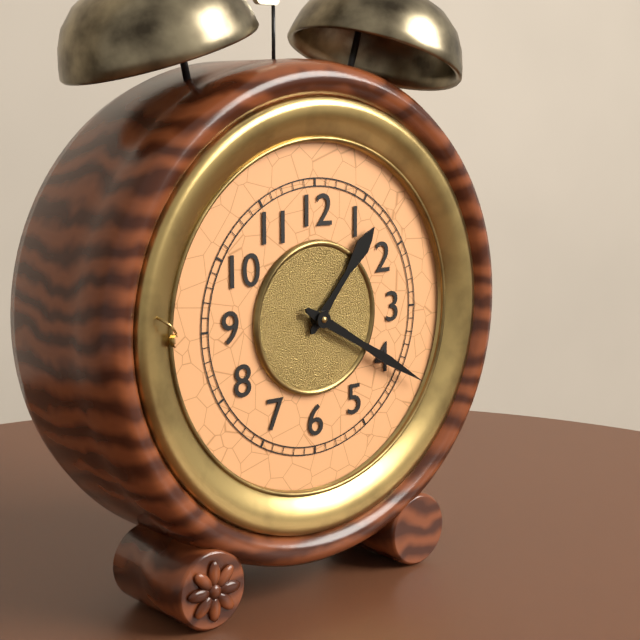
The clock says 1h20
